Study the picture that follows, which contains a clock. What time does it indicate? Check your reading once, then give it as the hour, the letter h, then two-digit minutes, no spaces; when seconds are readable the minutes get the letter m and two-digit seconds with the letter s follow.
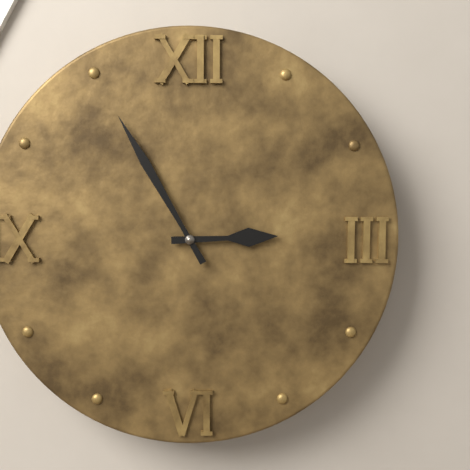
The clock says 2h55
